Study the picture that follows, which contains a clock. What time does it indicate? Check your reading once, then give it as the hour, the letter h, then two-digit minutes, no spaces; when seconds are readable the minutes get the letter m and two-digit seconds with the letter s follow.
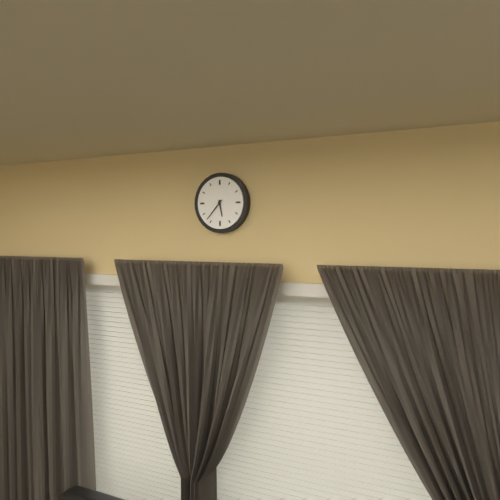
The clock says 5h37
